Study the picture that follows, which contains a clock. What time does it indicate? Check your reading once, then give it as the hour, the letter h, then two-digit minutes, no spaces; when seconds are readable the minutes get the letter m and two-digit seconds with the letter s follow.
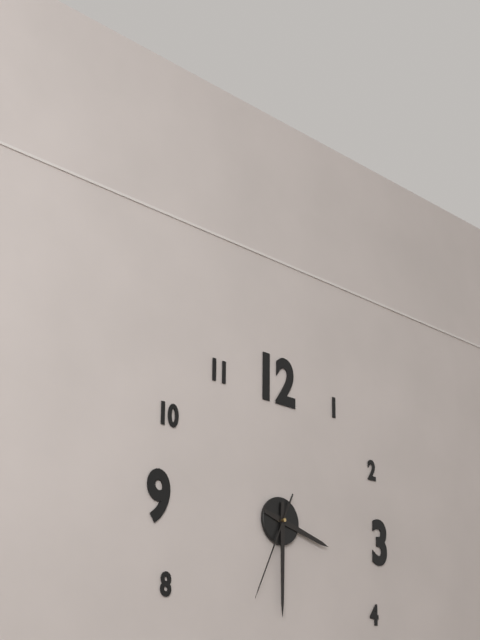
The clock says 3h30m34s
